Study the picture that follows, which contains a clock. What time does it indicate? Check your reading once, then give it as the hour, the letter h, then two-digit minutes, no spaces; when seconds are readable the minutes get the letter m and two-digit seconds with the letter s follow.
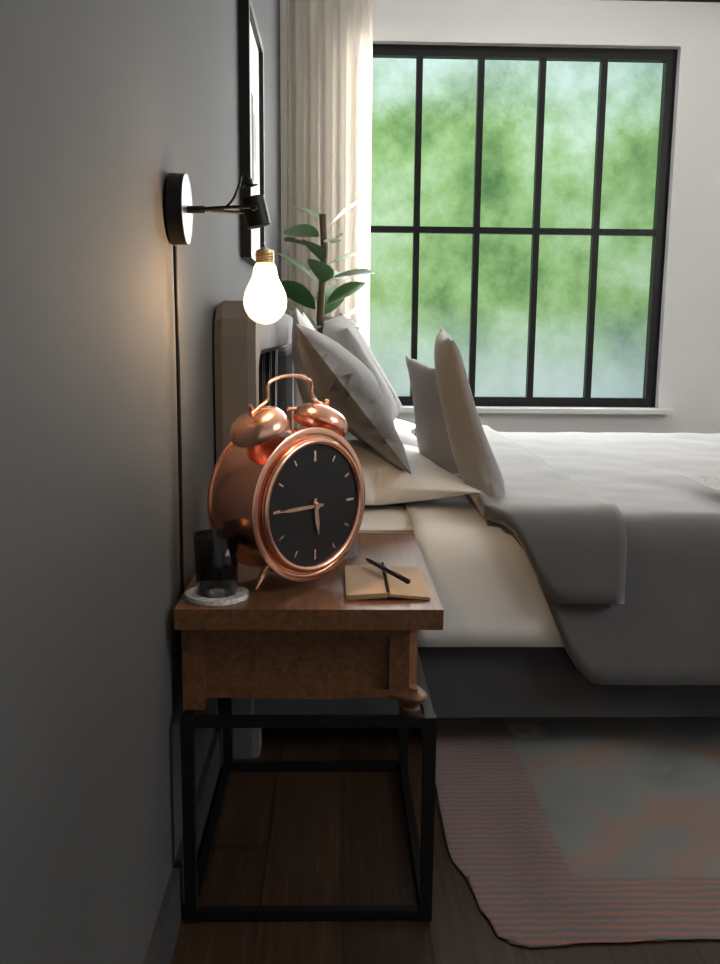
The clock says 5h45
